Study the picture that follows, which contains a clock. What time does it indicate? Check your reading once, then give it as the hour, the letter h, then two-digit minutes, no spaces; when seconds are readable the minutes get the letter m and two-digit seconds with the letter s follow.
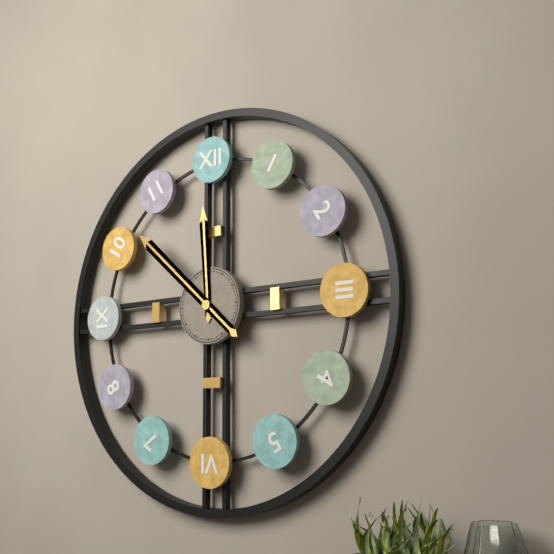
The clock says 11h52
